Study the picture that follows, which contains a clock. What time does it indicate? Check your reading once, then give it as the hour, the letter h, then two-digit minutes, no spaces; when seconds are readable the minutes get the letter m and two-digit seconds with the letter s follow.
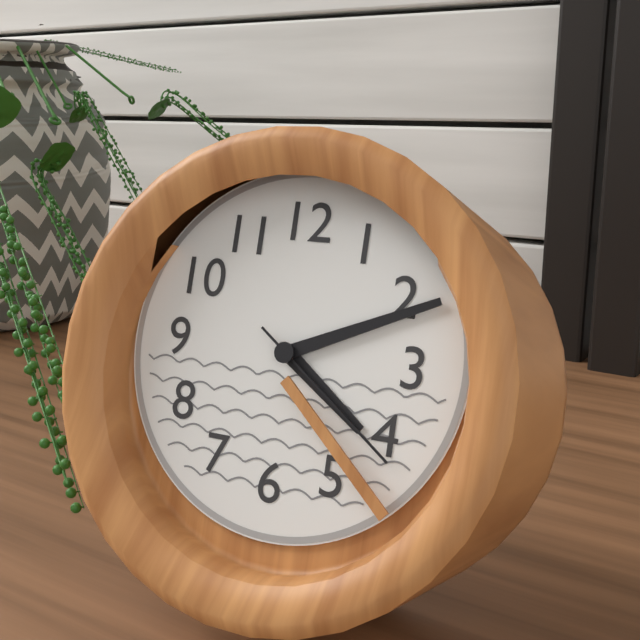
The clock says 4h11m21s
